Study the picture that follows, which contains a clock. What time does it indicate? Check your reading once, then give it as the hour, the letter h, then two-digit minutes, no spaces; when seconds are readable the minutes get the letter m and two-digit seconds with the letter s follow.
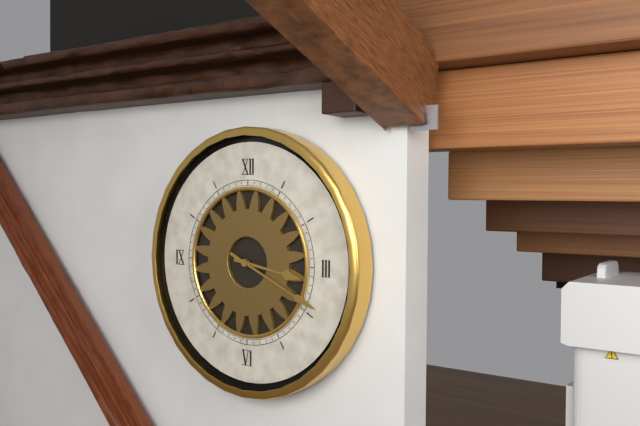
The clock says 3h19
